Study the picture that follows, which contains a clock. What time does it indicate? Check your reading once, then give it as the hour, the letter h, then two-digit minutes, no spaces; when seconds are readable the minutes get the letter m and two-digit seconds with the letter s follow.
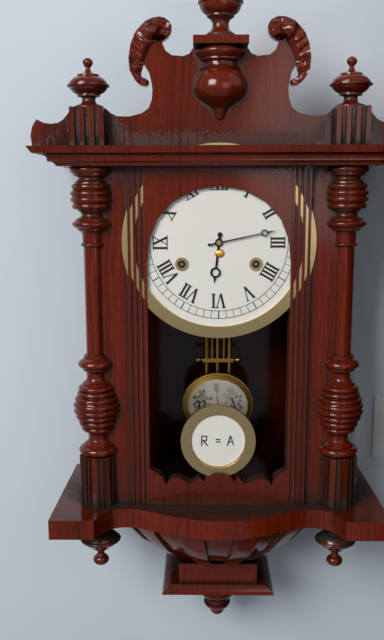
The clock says 6h13
